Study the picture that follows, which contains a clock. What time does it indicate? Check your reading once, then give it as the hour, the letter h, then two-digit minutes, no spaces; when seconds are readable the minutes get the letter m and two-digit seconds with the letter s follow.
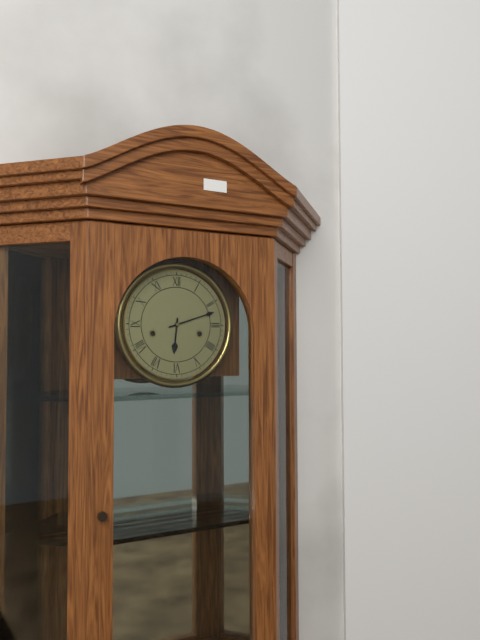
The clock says 6h12
